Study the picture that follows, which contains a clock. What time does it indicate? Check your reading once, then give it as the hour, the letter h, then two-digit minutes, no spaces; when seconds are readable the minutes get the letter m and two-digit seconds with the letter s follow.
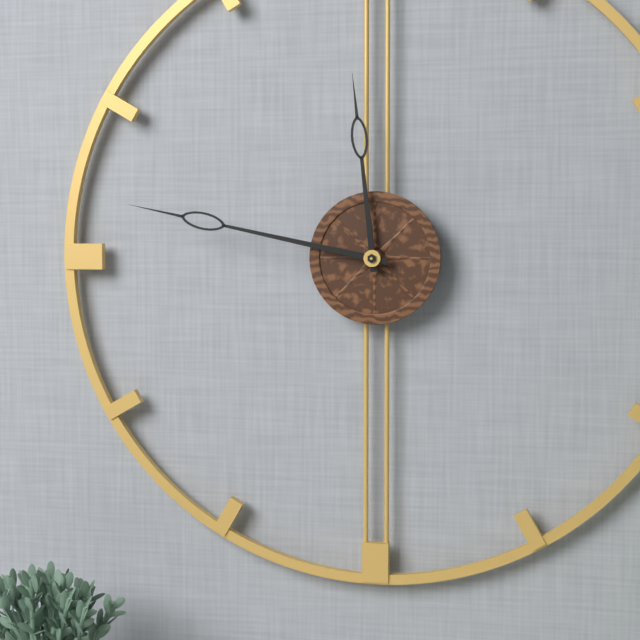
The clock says 11h47
